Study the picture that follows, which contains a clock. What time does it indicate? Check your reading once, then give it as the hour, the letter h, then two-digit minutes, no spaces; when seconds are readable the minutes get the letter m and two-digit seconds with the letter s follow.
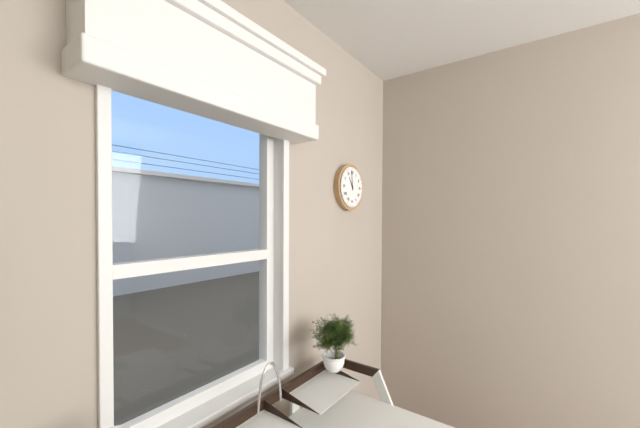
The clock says 10h59
